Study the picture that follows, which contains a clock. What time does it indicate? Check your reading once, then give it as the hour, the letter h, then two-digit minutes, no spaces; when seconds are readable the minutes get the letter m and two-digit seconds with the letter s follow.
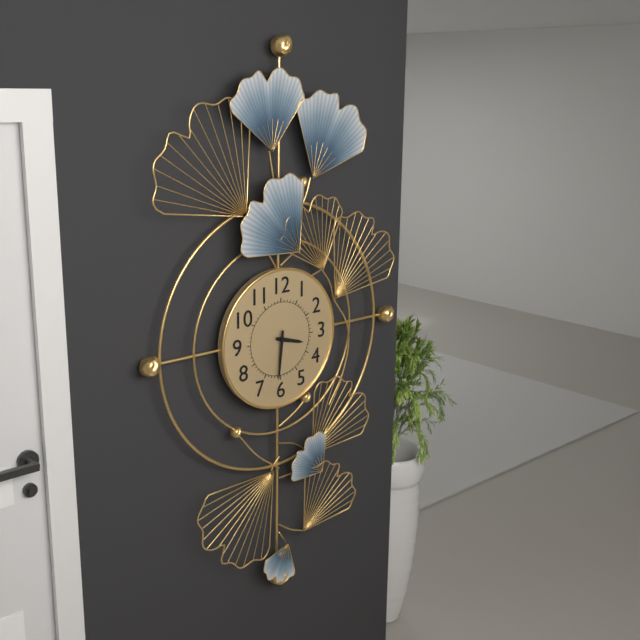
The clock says 3h31
